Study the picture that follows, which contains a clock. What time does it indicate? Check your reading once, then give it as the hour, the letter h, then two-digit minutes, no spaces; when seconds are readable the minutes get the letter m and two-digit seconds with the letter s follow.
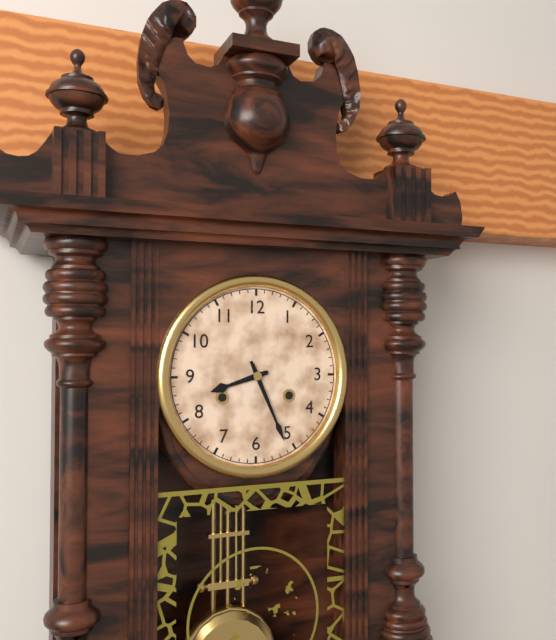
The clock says 8h26
